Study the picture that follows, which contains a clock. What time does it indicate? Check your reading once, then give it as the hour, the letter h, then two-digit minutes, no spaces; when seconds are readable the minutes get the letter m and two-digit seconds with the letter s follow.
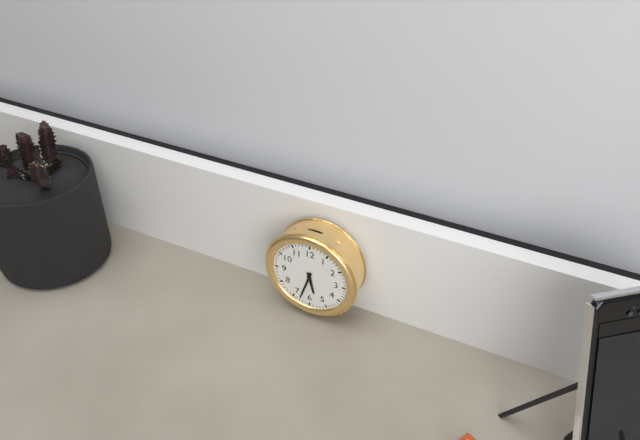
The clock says 5h33
